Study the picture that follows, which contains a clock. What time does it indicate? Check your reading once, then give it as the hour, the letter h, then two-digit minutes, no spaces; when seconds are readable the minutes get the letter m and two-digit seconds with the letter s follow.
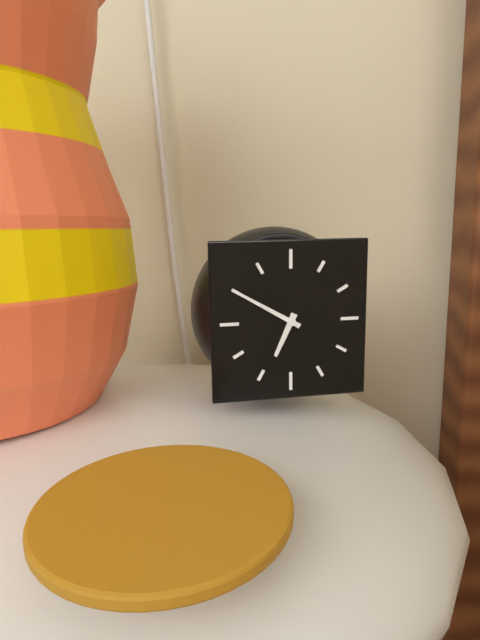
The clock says 6h50
